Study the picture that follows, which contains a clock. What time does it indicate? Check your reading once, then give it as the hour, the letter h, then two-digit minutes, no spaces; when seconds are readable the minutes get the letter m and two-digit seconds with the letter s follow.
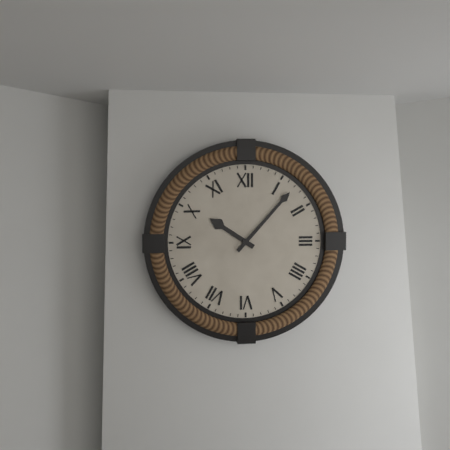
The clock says 10h07
